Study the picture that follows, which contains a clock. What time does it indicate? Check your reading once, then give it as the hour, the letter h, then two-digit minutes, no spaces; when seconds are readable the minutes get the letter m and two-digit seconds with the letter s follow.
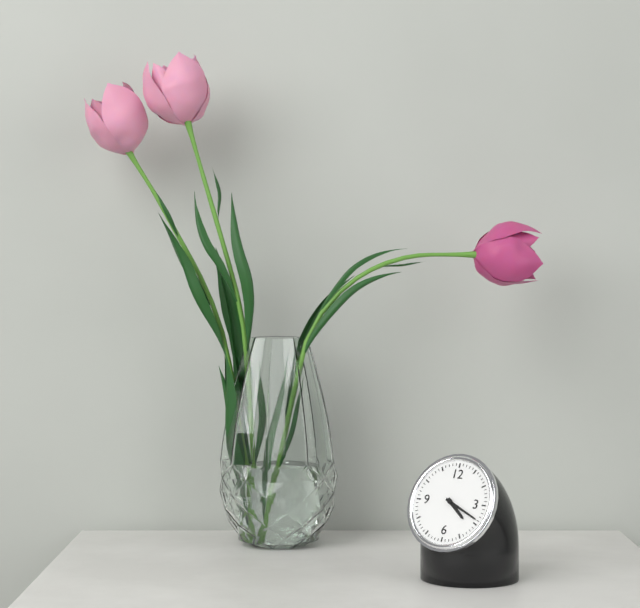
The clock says 4h19
